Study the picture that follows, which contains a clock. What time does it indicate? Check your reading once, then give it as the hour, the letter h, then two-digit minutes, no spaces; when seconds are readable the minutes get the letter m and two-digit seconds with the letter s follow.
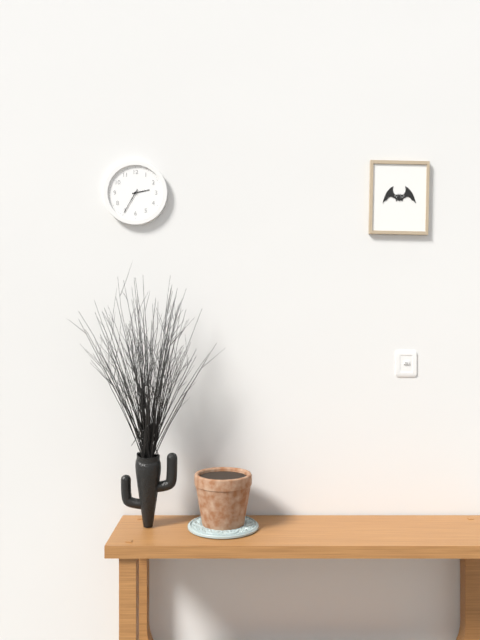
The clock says 2h35
